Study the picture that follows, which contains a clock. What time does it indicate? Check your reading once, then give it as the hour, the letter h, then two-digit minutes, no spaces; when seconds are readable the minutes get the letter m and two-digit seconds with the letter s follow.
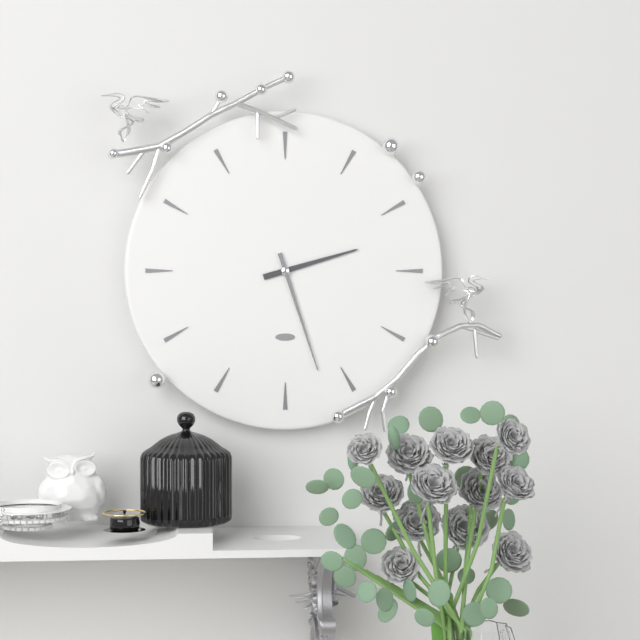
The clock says 2h27
